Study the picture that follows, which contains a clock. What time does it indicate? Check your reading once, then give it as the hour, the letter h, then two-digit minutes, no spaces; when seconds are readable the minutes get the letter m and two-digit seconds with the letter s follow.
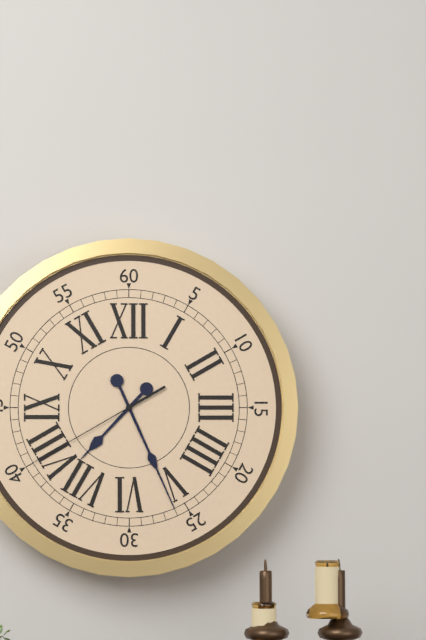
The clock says 7h26m40s
